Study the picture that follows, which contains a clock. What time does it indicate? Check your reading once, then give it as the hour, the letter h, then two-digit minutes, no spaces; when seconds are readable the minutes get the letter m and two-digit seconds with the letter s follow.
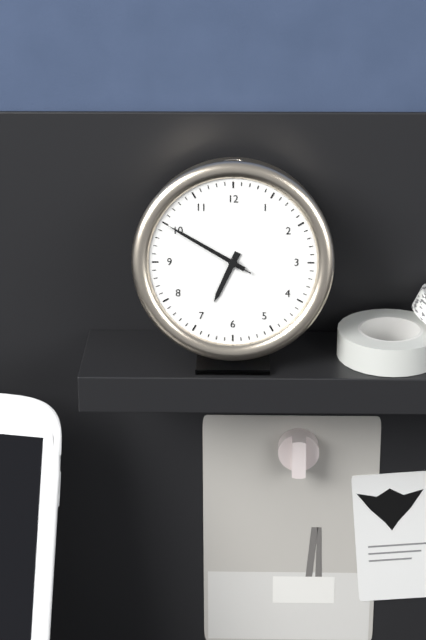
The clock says 6h50m50s
